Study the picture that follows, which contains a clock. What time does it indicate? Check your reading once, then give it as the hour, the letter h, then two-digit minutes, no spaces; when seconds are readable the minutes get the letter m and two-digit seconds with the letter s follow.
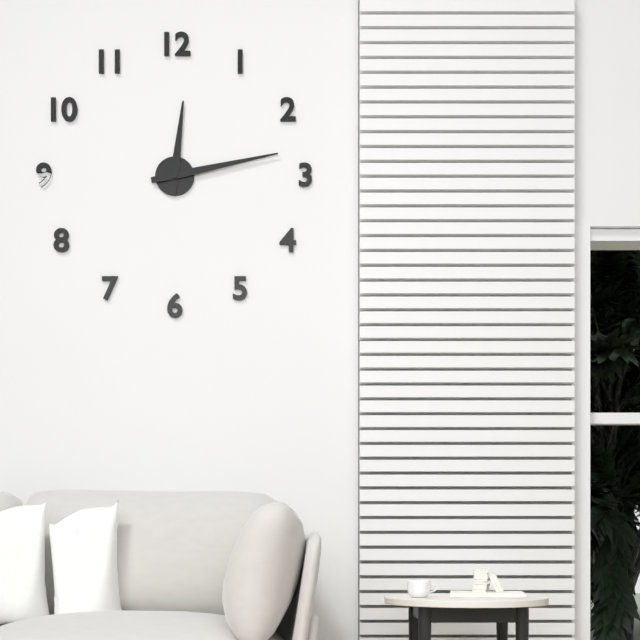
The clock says 12h13
